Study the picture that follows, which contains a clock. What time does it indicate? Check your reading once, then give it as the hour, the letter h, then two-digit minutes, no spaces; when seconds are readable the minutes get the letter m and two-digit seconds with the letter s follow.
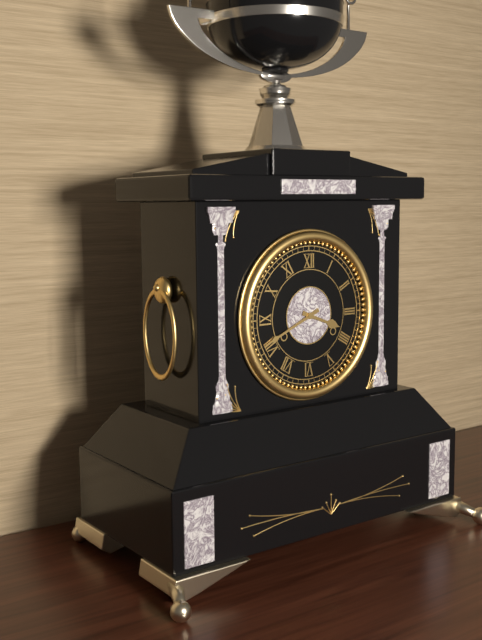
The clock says 3h41
